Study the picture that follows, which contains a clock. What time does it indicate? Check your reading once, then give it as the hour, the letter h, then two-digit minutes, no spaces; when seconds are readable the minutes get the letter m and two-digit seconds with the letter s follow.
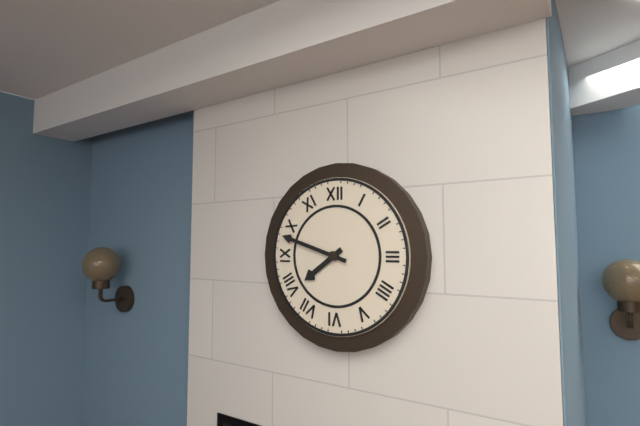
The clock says 7h48
